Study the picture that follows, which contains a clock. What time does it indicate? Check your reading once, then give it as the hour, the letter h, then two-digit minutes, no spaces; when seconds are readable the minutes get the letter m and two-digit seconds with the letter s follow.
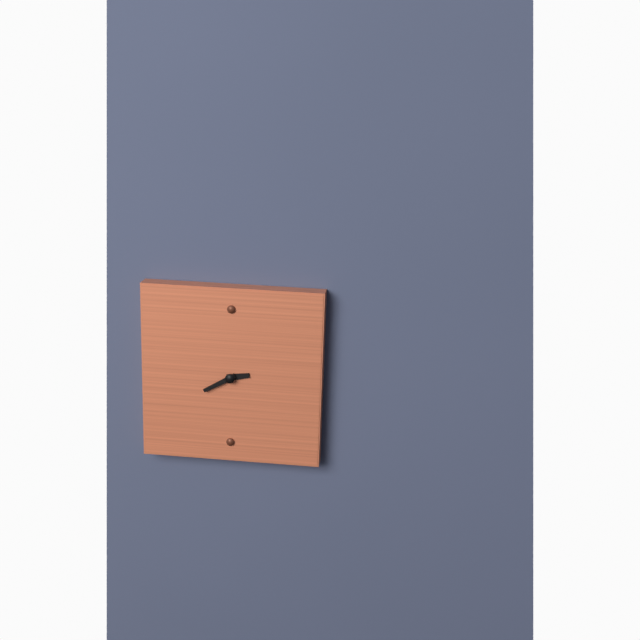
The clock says 2h40
